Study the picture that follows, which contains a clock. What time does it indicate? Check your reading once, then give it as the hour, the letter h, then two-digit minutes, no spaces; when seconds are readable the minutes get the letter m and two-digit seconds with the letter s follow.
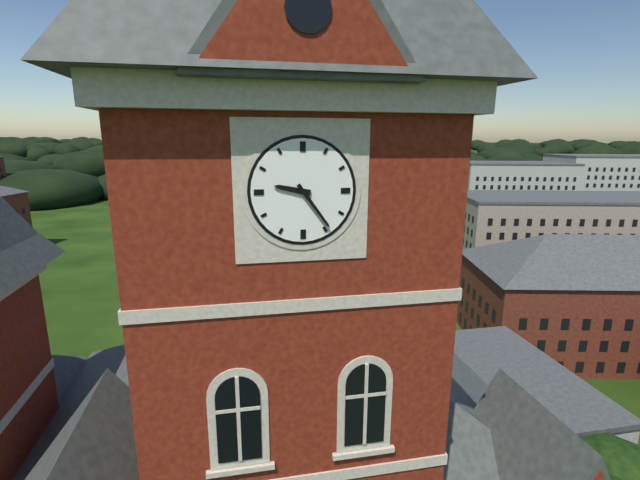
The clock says 9h24
